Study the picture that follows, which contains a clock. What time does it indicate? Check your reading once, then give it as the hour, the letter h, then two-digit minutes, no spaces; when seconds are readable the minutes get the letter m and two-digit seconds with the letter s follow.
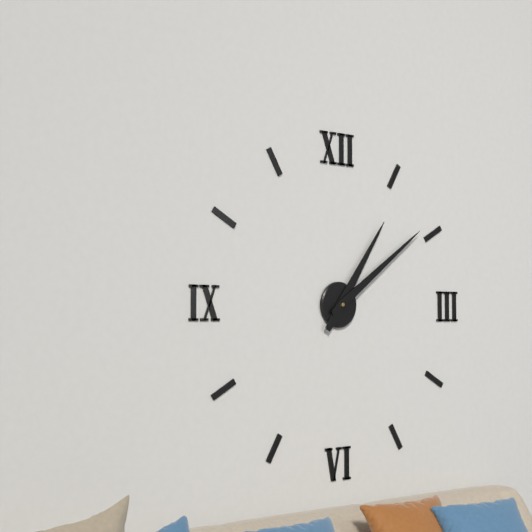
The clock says 1h09
